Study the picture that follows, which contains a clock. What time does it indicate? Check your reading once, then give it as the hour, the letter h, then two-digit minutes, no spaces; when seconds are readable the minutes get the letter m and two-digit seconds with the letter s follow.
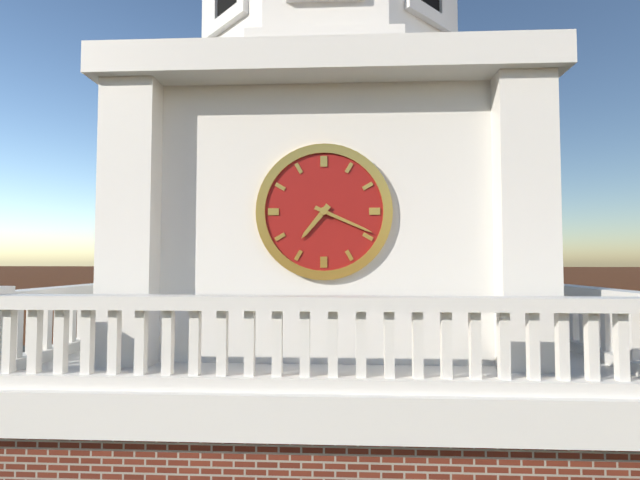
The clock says 7h19
